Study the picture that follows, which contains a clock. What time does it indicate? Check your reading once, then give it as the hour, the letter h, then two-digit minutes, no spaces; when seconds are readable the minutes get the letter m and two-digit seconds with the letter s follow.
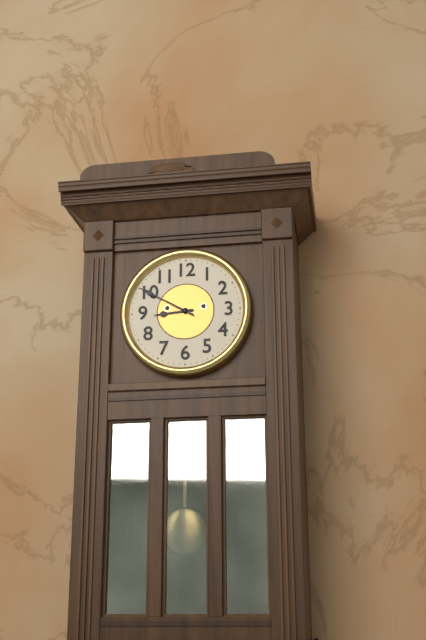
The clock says 8h50
